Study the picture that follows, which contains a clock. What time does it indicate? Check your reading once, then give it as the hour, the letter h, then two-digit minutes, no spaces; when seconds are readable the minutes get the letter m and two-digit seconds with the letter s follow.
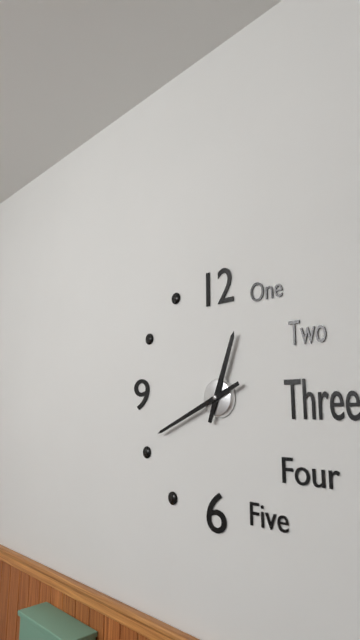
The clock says 12h41
